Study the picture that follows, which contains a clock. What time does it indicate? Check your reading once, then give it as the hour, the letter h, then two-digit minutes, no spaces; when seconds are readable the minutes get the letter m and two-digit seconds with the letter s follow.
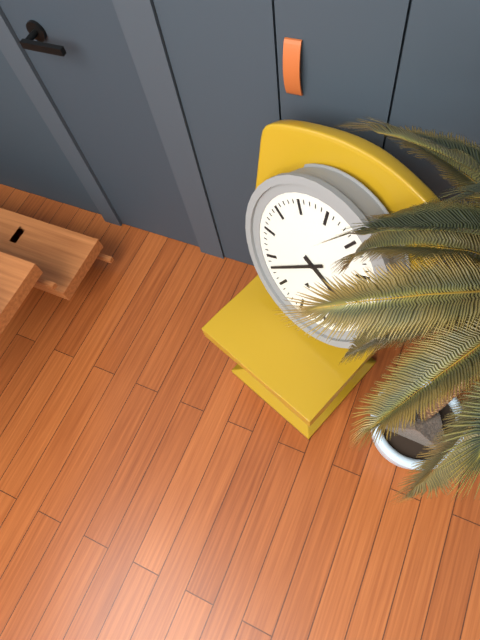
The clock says 3h38
